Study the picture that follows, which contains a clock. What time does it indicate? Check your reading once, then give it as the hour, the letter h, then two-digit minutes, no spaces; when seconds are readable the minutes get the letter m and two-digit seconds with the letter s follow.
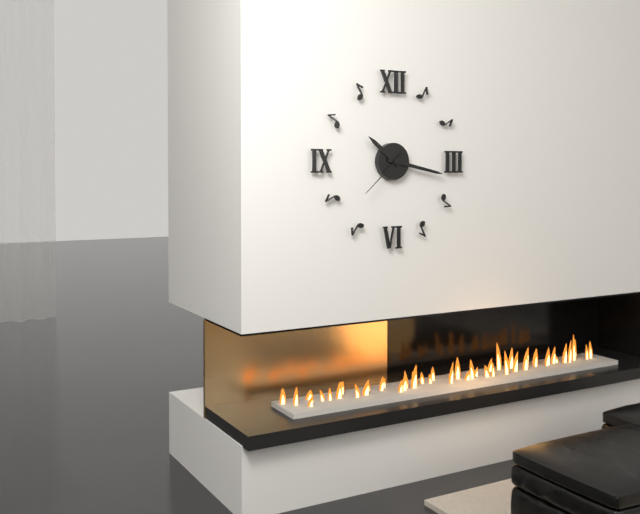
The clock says 10h17m38s
